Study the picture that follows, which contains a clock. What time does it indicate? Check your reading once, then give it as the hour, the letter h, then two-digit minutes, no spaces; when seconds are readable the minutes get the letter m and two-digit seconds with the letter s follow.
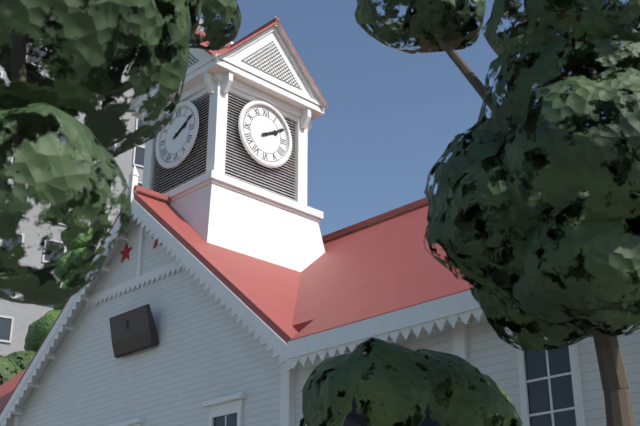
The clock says 2h10
